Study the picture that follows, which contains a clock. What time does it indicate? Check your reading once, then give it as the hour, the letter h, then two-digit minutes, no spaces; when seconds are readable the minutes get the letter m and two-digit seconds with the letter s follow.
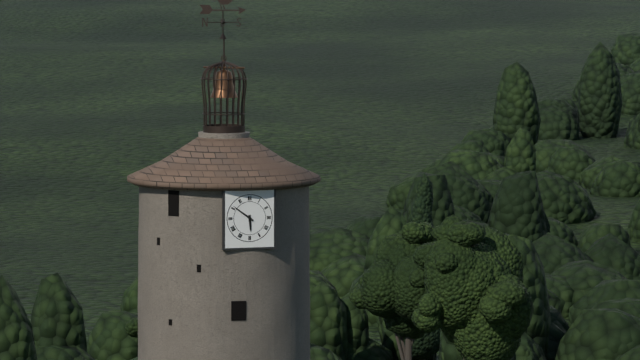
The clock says 5h51
